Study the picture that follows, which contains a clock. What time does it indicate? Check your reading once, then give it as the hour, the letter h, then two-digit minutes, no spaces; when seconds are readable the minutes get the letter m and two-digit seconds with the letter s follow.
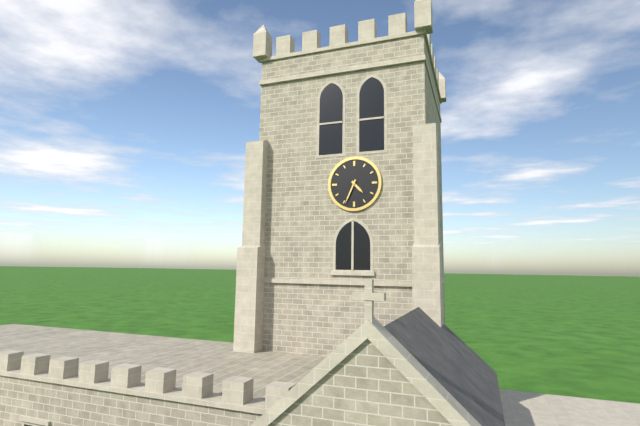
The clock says 4h34
